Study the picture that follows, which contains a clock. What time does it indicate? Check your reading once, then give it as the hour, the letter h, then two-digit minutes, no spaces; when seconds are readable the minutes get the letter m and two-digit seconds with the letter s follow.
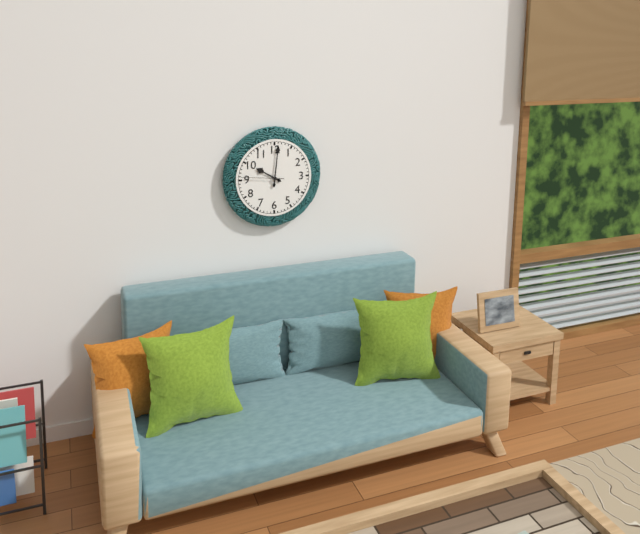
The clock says 10h01
